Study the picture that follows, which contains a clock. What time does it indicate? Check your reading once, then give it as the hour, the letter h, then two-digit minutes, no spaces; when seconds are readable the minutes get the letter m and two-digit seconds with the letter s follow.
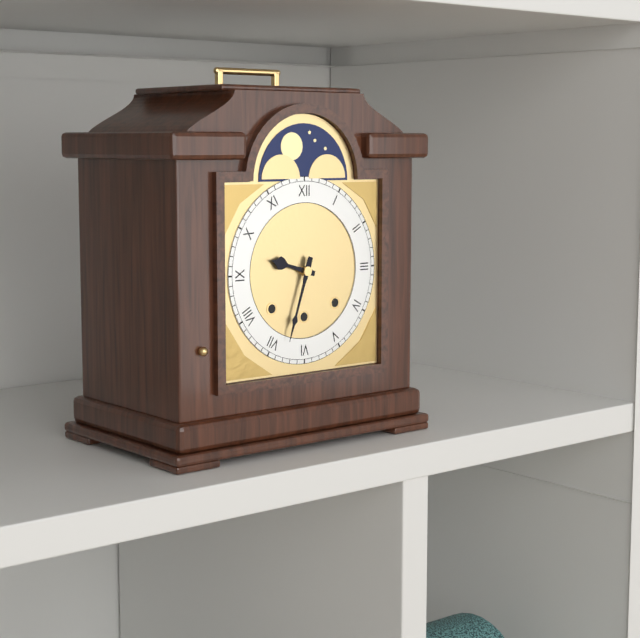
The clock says 9h33
